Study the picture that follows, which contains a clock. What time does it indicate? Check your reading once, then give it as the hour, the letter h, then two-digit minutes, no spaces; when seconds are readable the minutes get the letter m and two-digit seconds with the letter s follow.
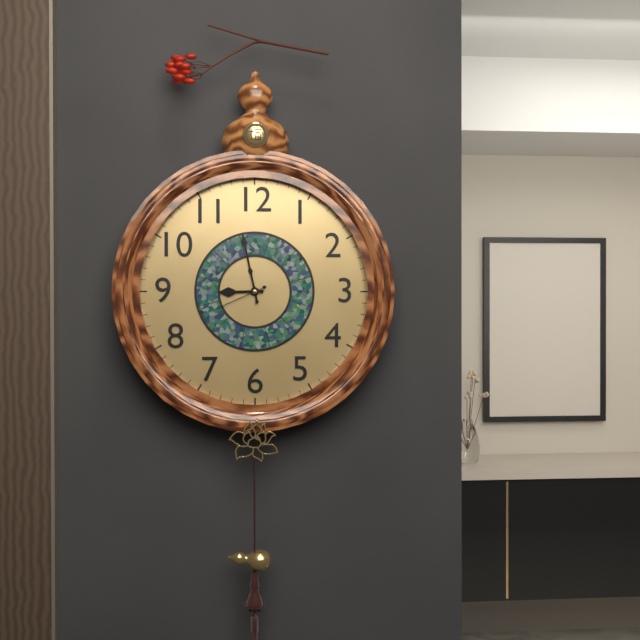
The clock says 8h58m41s
